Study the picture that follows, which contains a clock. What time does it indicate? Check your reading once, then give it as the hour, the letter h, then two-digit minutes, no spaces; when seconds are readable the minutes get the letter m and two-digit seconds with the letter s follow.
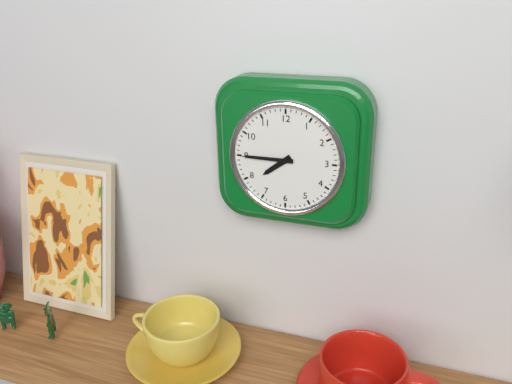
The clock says 7h45
